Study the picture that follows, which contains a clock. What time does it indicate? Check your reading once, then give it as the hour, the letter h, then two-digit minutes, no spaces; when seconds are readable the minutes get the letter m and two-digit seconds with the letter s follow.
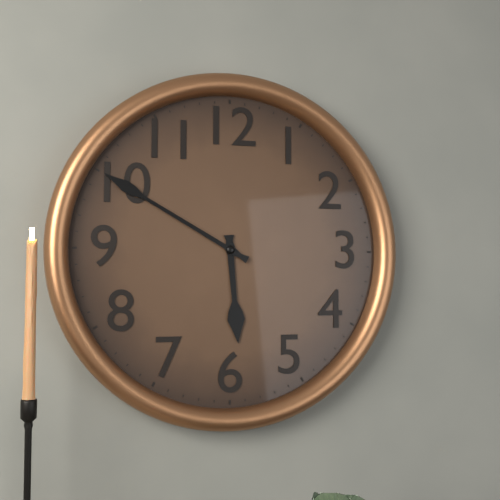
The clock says 5h50
